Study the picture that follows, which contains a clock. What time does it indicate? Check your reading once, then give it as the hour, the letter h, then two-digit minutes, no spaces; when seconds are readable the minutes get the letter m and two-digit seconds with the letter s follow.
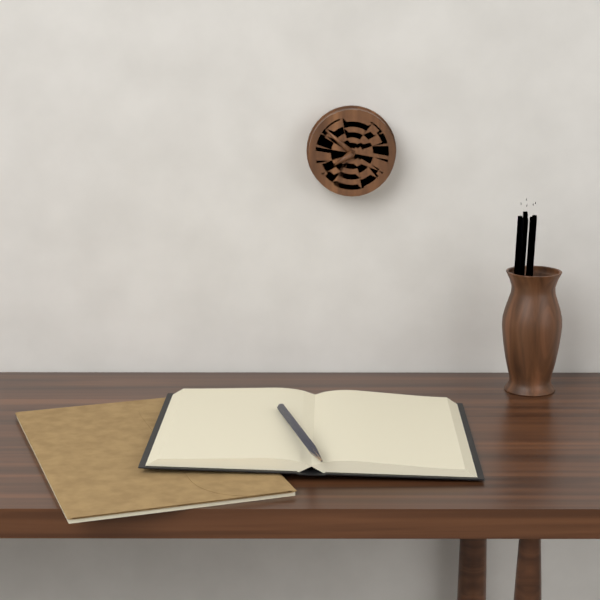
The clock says 7h52
